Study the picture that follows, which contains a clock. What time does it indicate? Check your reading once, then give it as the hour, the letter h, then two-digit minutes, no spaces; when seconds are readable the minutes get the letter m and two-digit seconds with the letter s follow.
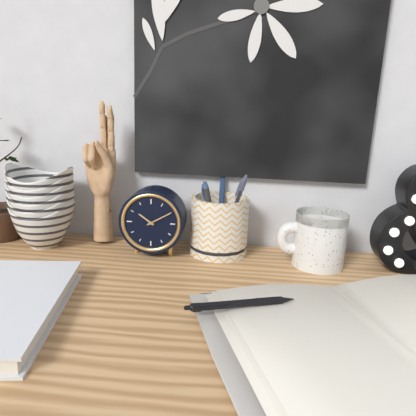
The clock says 10h10
